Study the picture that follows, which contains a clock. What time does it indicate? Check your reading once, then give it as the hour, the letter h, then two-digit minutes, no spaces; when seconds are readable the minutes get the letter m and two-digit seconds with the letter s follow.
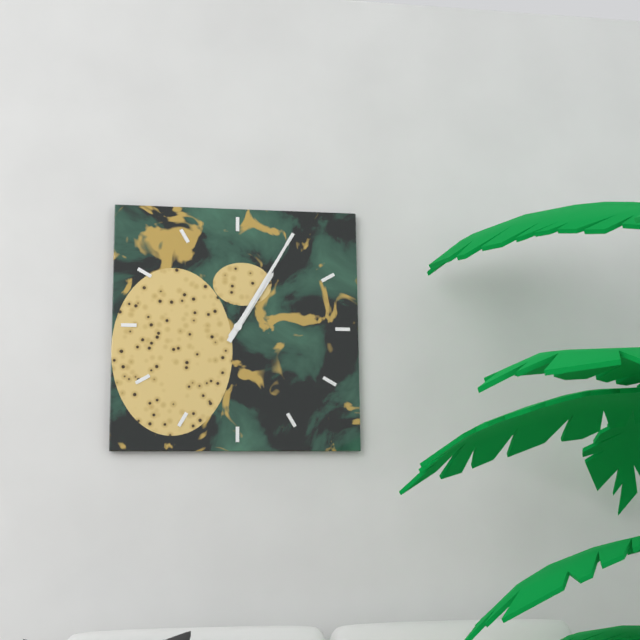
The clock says 1h05
